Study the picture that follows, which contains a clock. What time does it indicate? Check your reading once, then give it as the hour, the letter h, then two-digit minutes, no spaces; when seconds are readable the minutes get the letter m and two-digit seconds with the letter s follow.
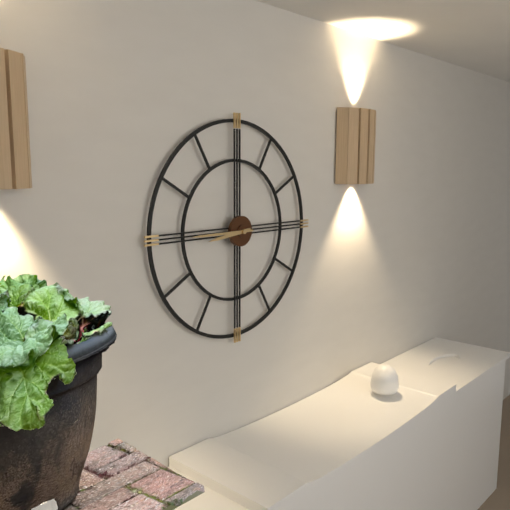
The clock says 8h45
